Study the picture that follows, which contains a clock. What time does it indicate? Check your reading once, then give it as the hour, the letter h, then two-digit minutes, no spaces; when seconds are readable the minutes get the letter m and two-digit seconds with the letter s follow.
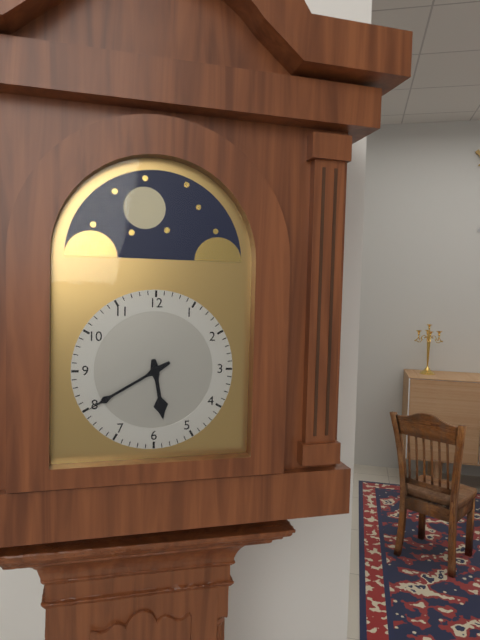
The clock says 5h40
